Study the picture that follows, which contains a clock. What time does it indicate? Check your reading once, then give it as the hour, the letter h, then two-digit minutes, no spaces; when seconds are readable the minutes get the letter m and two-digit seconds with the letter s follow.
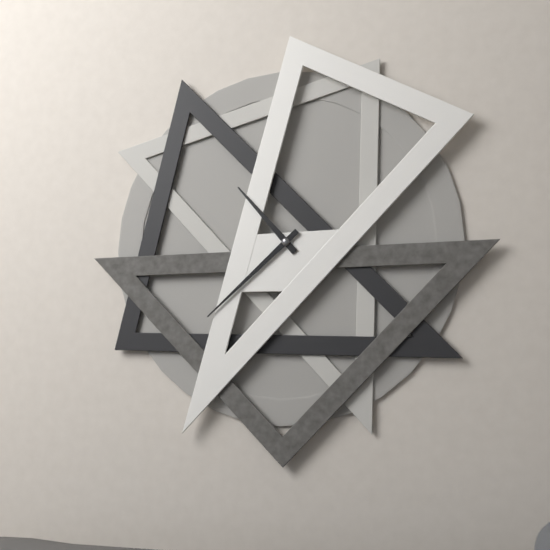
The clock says 10h38
